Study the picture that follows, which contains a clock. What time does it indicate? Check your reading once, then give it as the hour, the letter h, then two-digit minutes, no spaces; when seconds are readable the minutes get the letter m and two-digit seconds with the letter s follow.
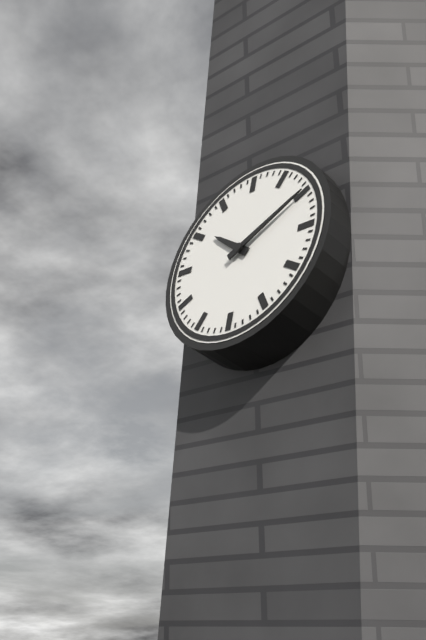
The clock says 10h10
